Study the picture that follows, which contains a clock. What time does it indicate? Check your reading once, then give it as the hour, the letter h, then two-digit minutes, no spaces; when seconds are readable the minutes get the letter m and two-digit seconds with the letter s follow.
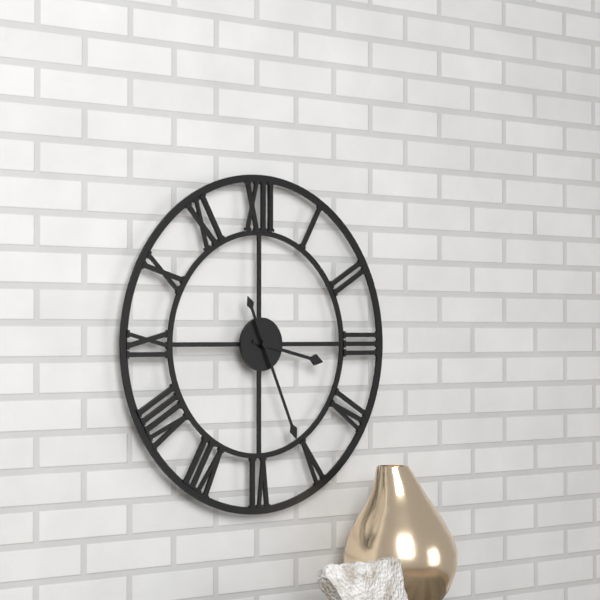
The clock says 3h26
